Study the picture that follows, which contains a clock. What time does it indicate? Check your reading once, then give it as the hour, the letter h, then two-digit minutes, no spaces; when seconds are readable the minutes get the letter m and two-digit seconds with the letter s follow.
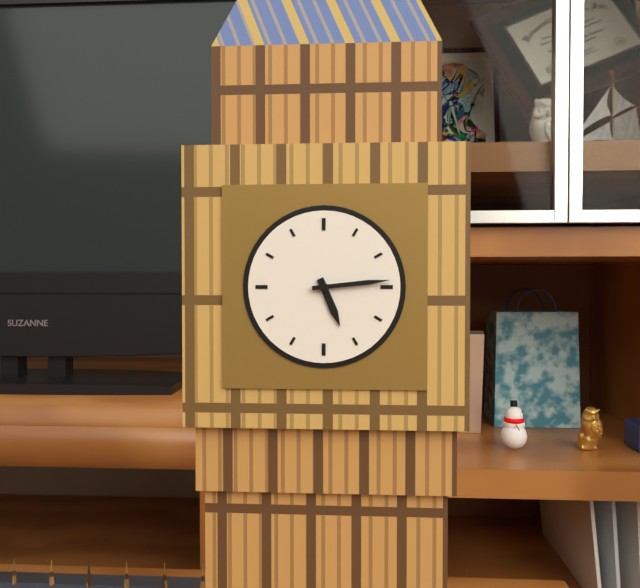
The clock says 5h14
